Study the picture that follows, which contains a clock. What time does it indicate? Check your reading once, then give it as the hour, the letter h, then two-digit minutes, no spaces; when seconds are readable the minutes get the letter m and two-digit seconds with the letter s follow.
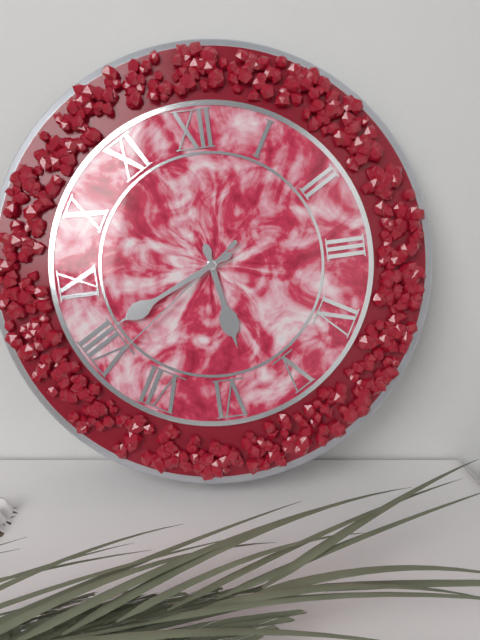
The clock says 5h41m39s
